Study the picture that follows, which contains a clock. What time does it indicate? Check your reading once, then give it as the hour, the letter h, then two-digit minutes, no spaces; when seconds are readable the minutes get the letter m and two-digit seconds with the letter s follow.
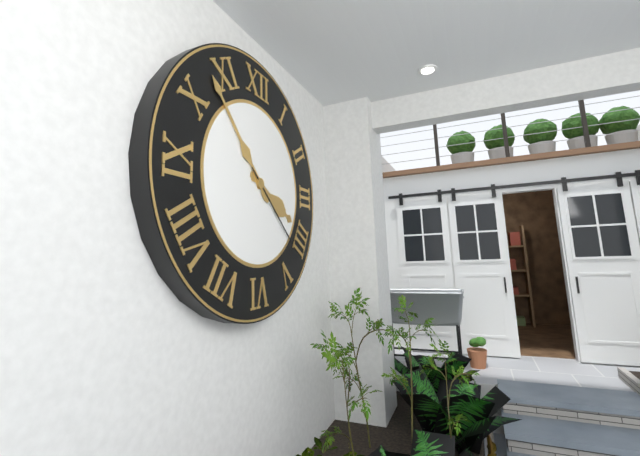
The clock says 3h53m22s
